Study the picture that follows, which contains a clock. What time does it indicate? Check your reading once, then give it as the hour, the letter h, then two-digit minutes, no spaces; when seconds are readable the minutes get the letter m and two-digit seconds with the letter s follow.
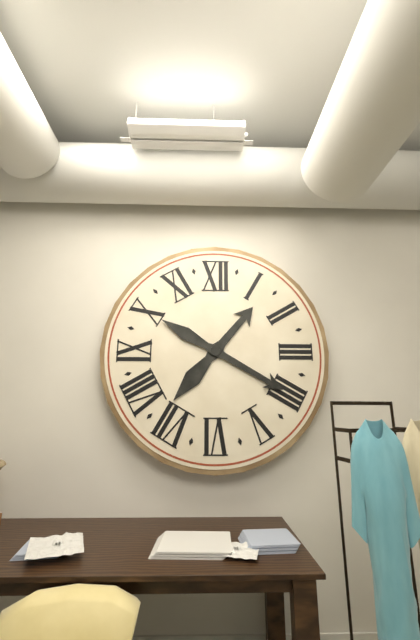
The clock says 1h20
